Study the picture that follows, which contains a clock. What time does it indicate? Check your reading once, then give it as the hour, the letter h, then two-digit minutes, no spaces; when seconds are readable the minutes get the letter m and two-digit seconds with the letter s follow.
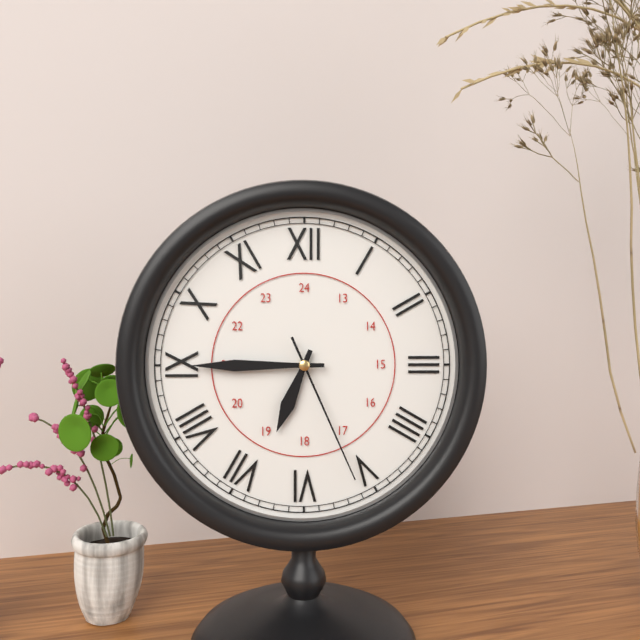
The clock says 6h45m26s
